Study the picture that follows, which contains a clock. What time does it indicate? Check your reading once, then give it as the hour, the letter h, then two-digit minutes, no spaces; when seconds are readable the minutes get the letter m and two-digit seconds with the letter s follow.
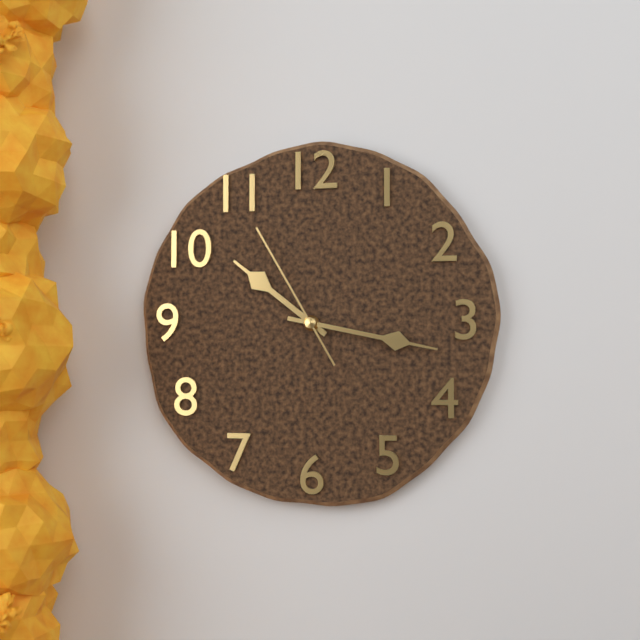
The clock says 10h17m55s
